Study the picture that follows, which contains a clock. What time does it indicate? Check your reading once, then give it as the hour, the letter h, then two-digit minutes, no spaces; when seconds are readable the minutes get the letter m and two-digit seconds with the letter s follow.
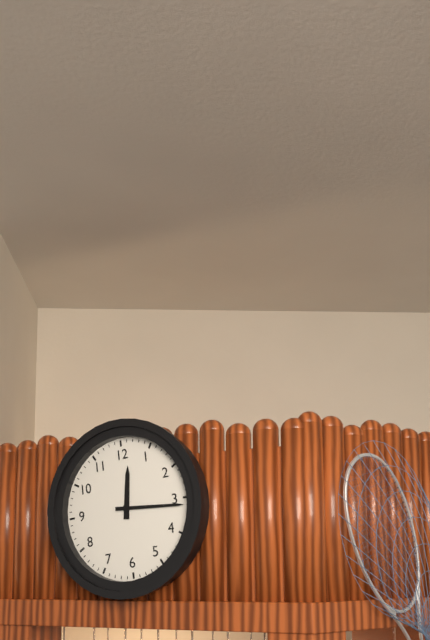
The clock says 12h16
